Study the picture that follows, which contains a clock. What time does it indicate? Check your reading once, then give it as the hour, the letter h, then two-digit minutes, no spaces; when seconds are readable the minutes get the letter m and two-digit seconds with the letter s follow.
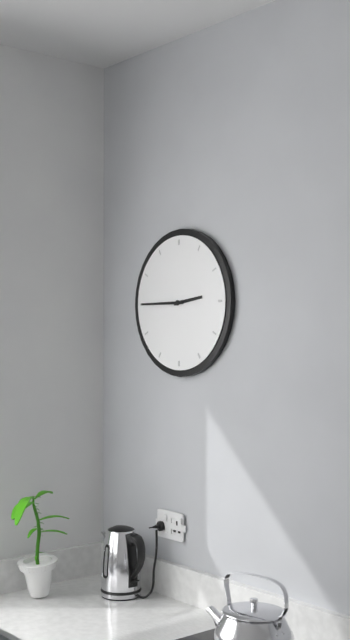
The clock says 2h45
